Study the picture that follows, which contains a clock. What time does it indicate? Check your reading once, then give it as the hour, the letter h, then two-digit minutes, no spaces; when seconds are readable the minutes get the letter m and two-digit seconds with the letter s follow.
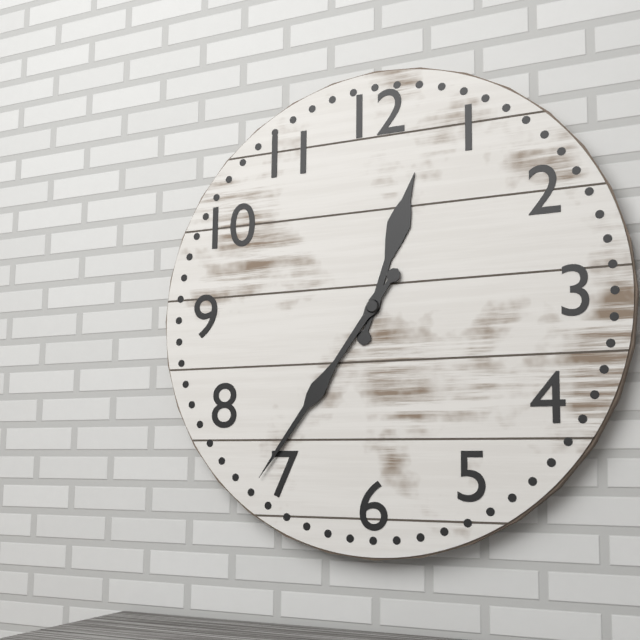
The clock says 12h36
